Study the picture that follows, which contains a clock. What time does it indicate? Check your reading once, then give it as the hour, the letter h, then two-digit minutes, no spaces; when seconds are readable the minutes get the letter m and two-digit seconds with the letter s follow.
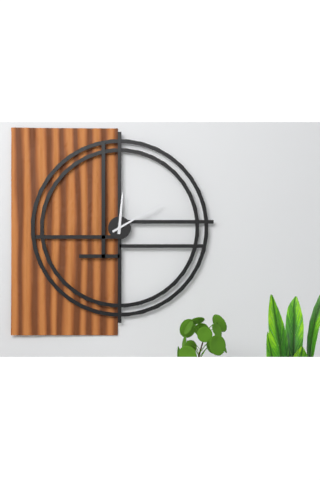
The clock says 12h10
